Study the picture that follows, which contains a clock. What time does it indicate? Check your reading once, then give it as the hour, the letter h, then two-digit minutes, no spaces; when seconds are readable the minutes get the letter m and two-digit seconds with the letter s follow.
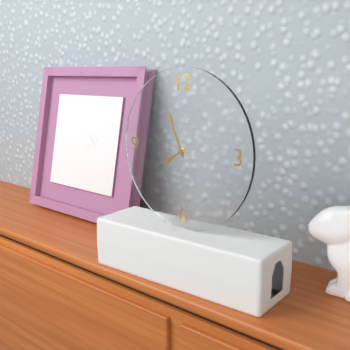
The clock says 7h56
